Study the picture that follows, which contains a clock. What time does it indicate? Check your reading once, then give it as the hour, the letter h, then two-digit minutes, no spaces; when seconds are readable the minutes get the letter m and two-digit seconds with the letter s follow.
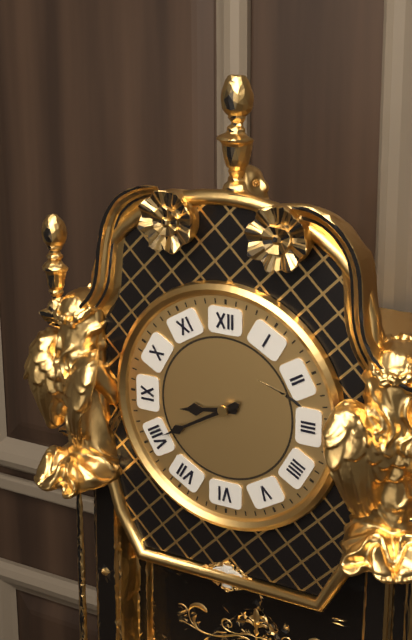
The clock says 8h40
